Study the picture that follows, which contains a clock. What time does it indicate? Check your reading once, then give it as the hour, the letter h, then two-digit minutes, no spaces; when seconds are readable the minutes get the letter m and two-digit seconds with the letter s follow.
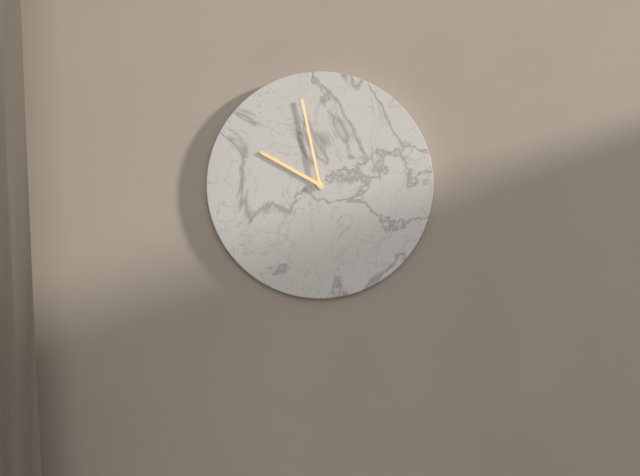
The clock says 9h58
